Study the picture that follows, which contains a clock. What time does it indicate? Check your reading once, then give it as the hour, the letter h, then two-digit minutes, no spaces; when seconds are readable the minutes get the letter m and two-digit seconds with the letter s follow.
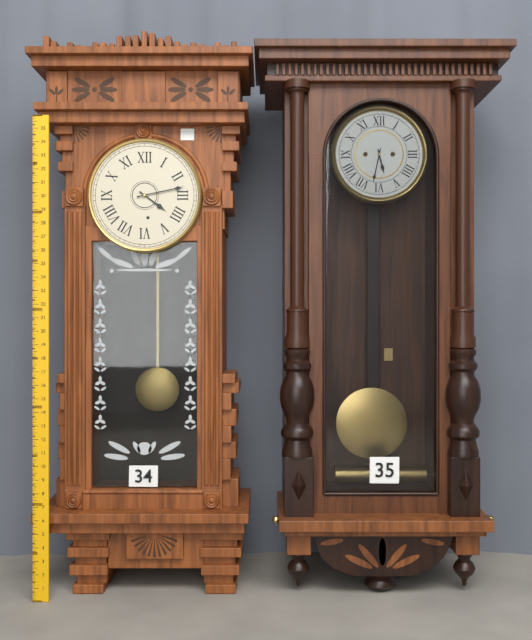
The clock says 4h13
